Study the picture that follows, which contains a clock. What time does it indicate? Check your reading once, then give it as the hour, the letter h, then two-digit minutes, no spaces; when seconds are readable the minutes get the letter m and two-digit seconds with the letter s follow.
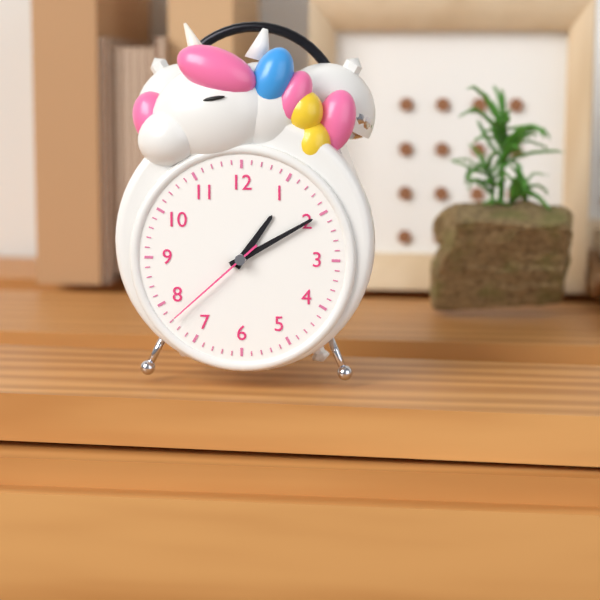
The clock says 1h10m38s
